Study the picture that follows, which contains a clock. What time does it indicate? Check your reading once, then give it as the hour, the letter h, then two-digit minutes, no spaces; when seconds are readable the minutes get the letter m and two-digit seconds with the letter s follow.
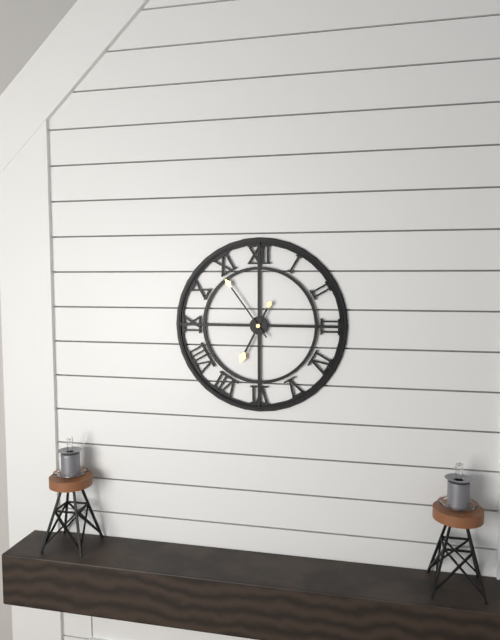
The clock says 6h54
